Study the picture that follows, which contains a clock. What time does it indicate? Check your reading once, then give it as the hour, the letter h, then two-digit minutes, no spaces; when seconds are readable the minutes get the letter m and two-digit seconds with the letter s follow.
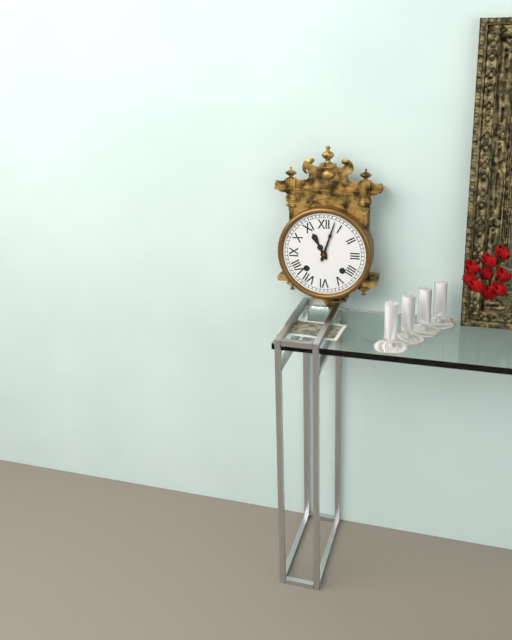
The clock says 11h03
